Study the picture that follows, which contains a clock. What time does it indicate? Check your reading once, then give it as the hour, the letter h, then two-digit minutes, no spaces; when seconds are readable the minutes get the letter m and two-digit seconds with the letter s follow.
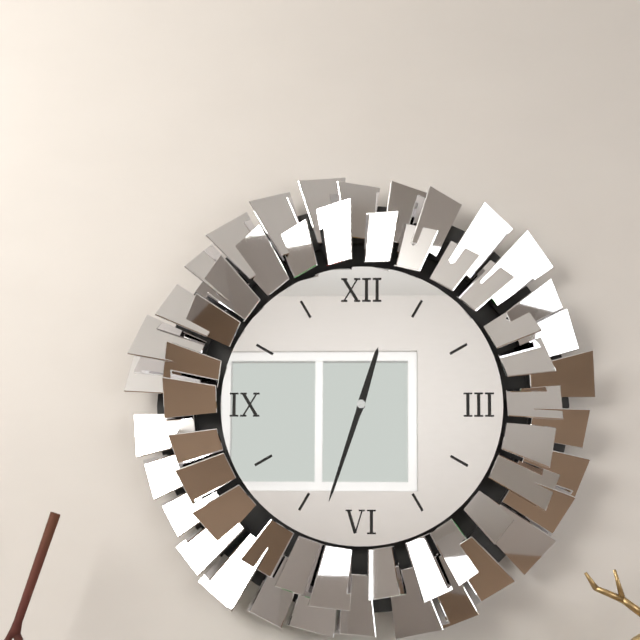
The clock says 12h33
